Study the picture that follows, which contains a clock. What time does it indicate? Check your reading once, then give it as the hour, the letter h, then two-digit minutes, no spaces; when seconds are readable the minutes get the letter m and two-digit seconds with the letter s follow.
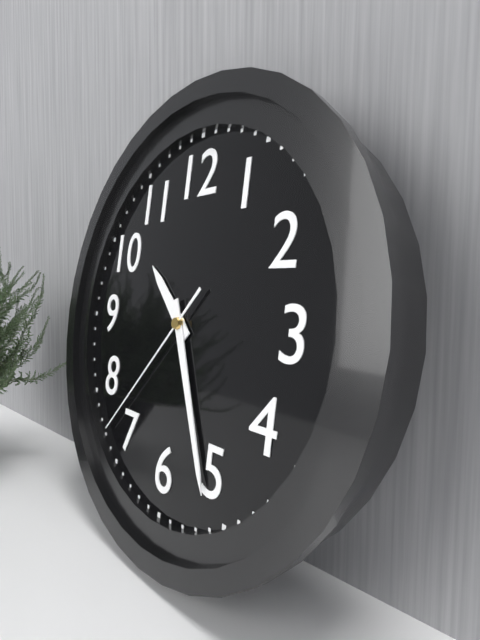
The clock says 10h26m37s
